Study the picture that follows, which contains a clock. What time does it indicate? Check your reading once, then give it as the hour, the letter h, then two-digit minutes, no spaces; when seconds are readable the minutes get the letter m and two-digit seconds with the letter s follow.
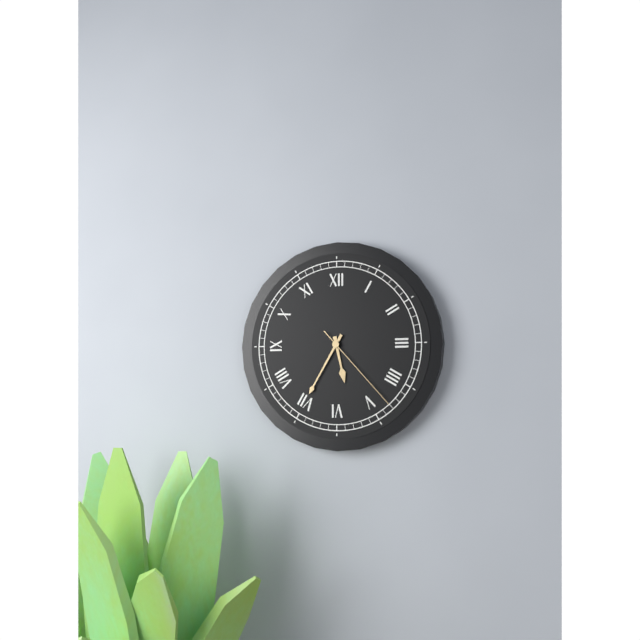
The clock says 5h35m23s
